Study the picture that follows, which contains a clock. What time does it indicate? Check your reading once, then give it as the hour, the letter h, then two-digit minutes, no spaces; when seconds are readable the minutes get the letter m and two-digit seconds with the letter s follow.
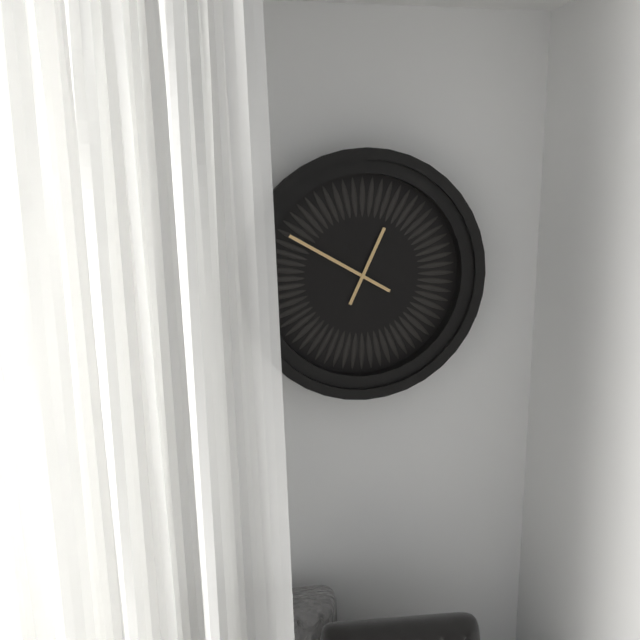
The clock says 12h50
